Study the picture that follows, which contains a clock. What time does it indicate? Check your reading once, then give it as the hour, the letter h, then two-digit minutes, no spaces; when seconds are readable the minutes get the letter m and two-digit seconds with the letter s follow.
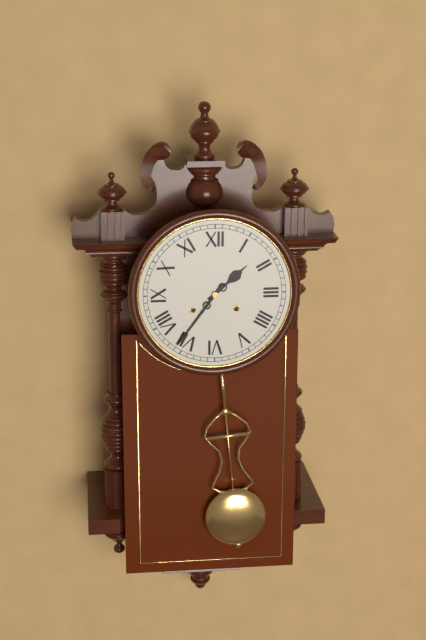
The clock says 1h36
